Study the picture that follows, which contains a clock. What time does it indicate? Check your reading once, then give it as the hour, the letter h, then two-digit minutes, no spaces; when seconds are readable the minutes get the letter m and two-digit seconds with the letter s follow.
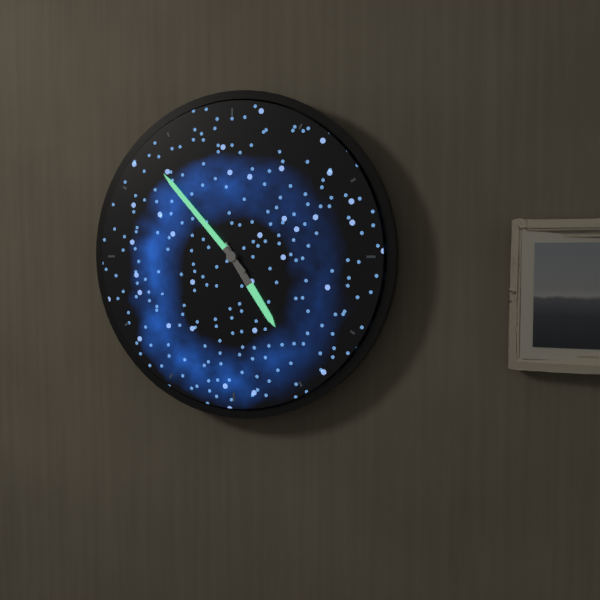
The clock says 4h53
